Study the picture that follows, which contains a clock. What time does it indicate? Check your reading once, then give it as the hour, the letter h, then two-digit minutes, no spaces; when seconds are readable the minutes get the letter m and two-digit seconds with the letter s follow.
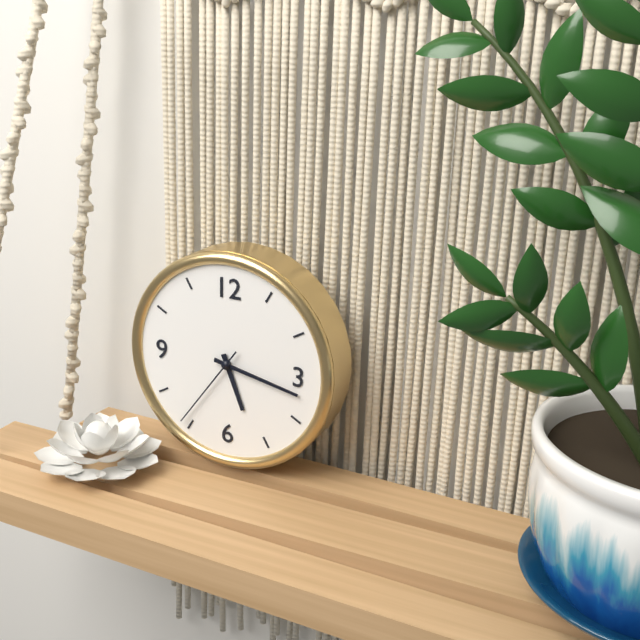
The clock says 5h17m36s
